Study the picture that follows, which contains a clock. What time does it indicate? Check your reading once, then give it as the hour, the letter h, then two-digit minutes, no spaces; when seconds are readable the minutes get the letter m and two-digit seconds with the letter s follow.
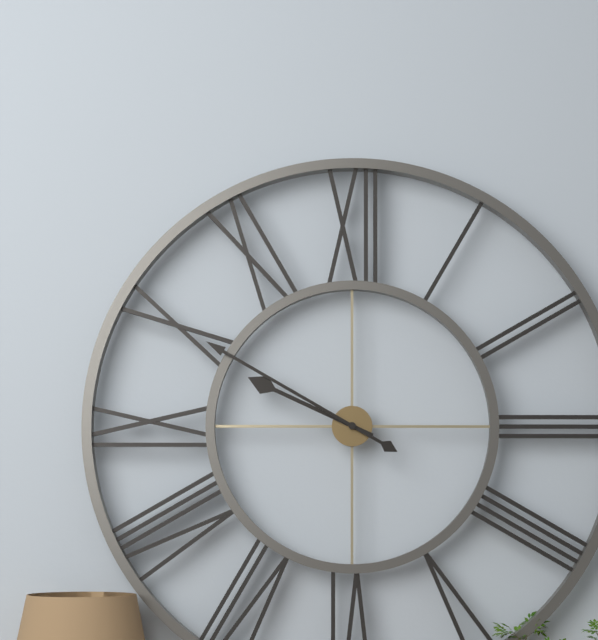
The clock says 9h50
